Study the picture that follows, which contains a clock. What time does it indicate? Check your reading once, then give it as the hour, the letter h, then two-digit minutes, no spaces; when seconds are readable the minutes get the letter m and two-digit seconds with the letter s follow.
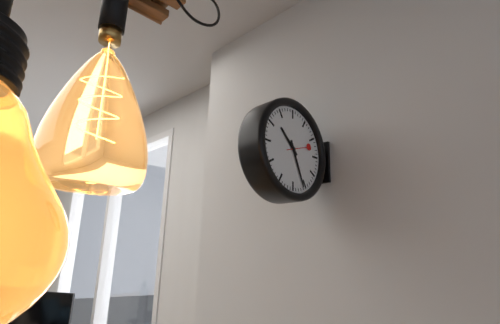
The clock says 10h26
